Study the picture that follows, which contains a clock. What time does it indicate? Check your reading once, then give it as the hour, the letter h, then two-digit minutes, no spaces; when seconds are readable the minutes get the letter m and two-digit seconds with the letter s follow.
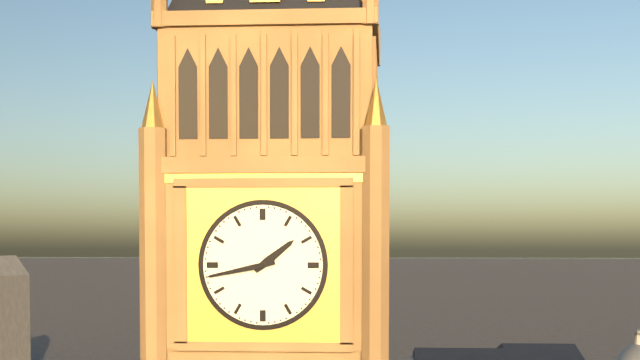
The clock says 1h43
